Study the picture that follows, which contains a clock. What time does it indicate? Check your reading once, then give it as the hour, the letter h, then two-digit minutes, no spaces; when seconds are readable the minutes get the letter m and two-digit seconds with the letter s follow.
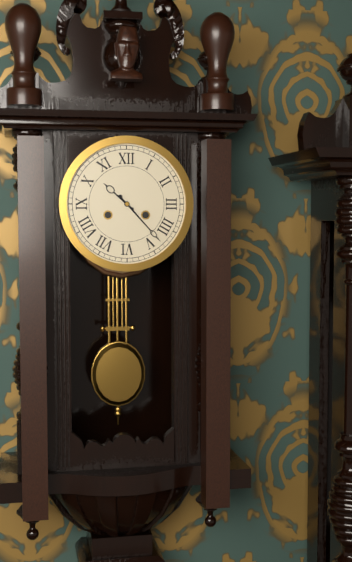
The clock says 10h23
